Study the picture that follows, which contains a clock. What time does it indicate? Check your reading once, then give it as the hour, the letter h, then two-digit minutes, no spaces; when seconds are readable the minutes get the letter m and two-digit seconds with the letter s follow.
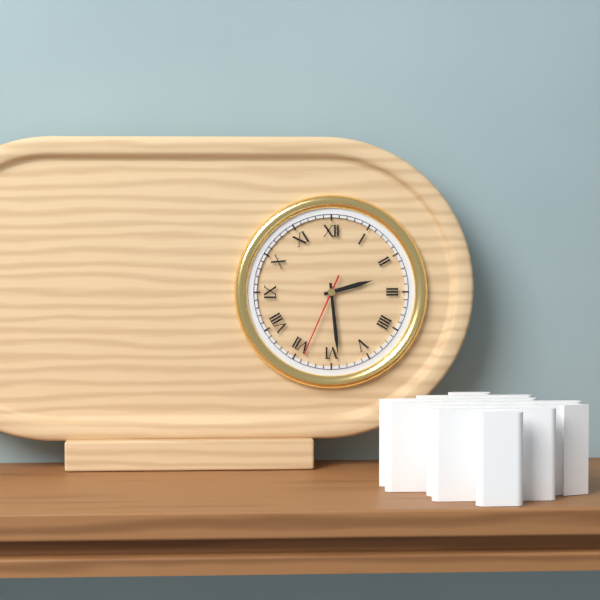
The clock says 2h29m34s
